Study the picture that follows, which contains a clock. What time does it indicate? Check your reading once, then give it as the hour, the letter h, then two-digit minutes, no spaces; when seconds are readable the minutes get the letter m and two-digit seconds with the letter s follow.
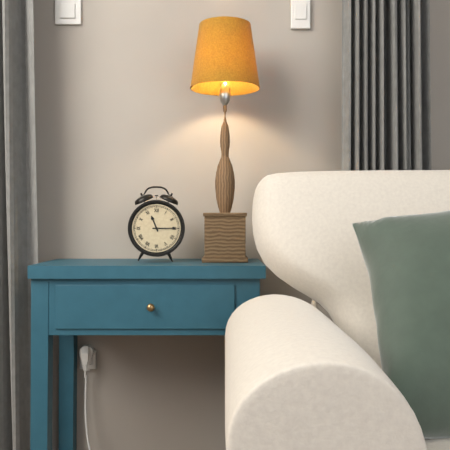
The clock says 11h15
